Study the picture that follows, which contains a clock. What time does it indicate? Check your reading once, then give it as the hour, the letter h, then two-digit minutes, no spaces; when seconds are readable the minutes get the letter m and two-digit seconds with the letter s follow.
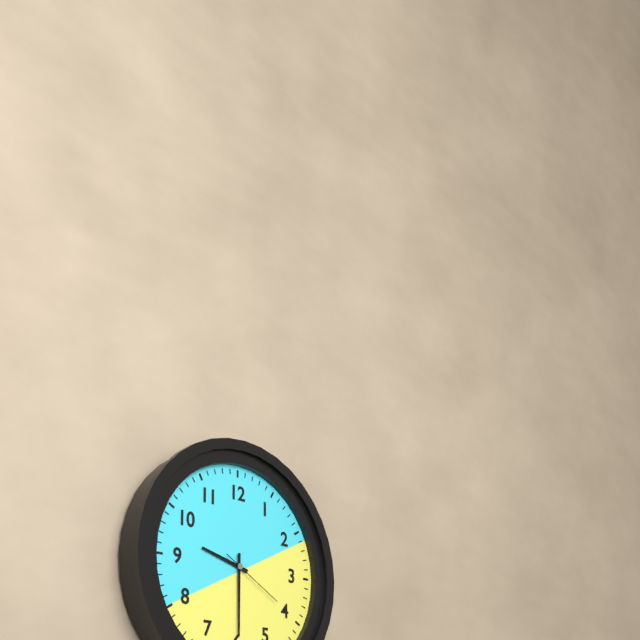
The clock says 9h30m20s
